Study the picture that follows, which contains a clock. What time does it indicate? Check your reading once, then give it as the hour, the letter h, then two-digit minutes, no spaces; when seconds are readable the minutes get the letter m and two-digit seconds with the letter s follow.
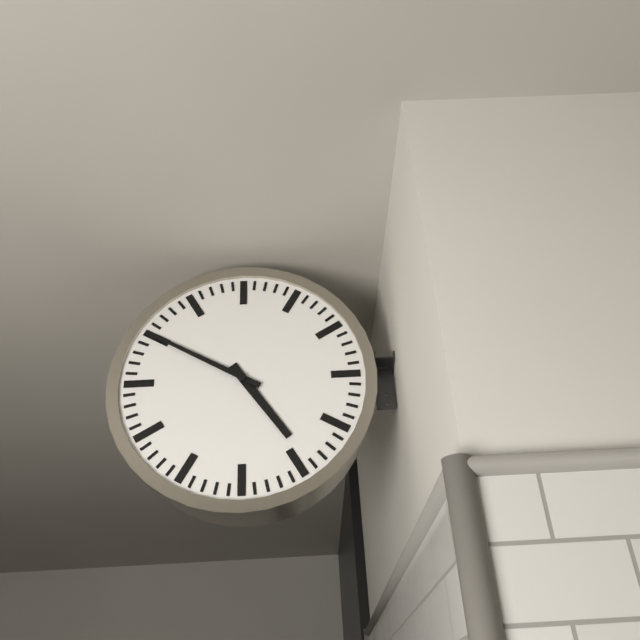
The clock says 4h50
